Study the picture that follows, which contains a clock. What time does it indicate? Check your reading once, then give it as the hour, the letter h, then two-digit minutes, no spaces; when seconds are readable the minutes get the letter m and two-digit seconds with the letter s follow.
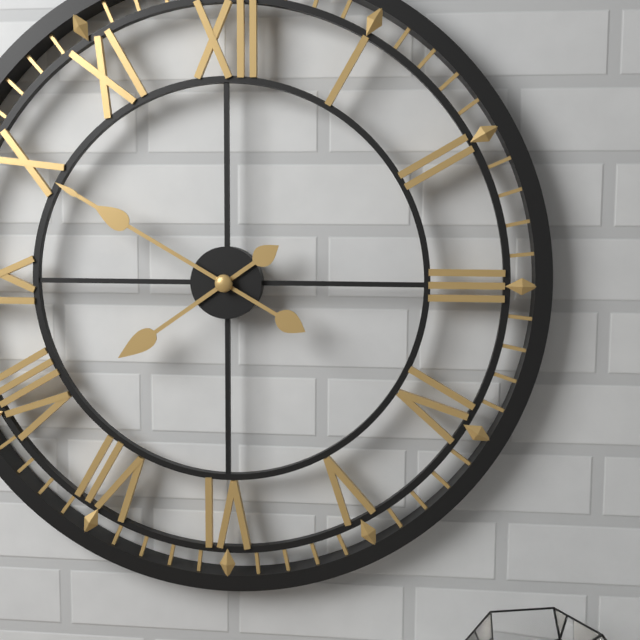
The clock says 7h50
